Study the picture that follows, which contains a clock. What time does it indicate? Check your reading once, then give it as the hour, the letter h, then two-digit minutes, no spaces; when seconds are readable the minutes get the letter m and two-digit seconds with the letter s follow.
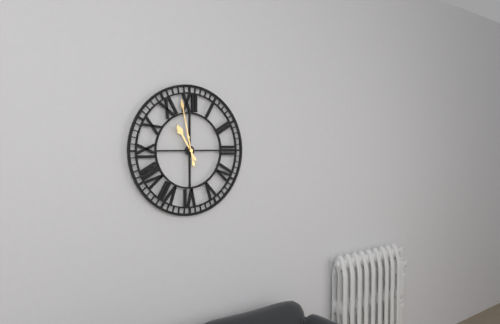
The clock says 10h58
